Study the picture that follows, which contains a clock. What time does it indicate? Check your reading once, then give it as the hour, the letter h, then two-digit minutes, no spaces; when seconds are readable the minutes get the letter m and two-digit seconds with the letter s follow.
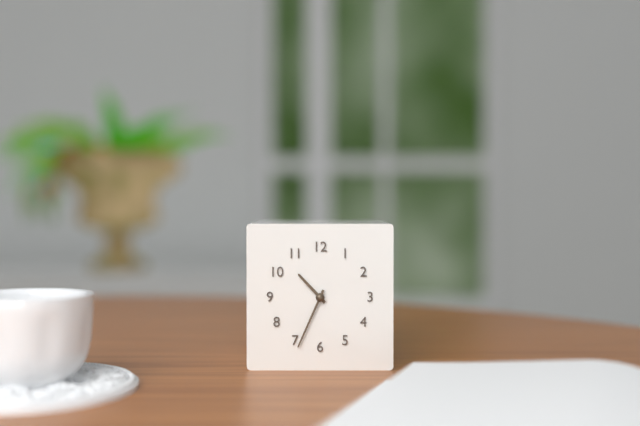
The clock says 10h34
